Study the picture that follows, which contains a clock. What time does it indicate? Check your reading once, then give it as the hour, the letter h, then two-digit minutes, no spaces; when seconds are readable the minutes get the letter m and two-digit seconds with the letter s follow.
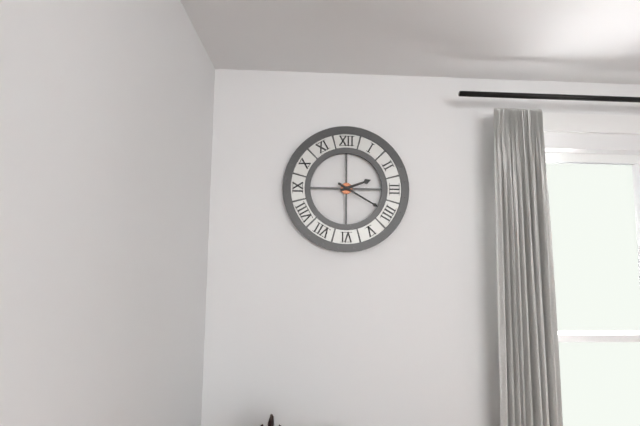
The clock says 2h20
